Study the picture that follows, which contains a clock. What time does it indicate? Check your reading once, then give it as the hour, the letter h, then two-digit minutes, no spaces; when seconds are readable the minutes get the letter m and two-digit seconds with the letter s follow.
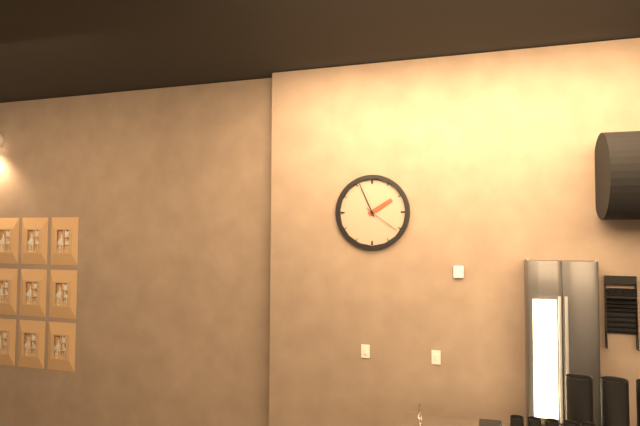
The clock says 1h56
